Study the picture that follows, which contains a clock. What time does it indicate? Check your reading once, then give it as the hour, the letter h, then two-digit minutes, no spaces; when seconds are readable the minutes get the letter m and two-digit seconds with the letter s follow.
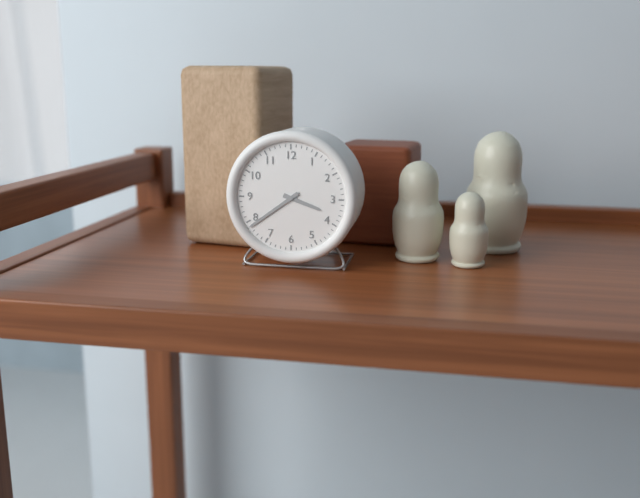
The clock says 3h39
